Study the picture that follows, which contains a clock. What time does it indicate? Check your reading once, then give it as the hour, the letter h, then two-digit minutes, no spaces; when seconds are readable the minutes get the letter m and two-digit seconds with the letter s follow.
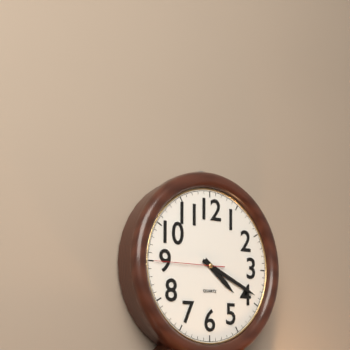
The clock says 4h19m45s
